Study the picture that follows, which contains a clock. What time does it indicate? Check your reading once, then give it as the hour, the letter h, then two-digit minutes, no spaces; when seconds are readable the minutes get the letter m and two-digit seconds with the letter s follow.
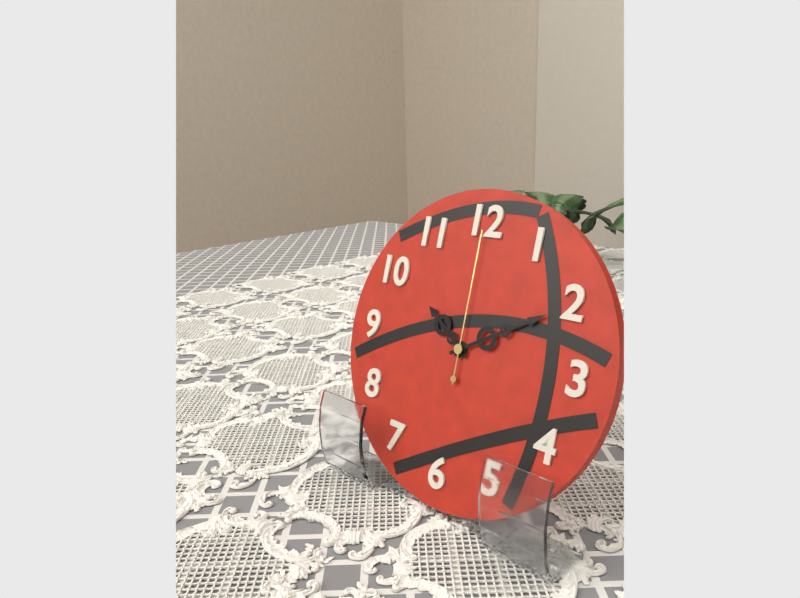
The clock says 10h10m00s
